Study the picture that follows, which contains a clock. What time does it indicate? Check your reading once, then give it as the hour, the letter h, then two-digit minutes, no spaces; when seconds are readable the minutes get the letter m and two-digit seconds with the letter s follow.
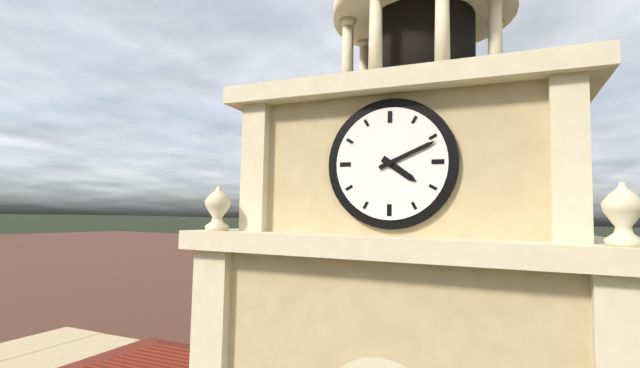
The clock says 4h11
